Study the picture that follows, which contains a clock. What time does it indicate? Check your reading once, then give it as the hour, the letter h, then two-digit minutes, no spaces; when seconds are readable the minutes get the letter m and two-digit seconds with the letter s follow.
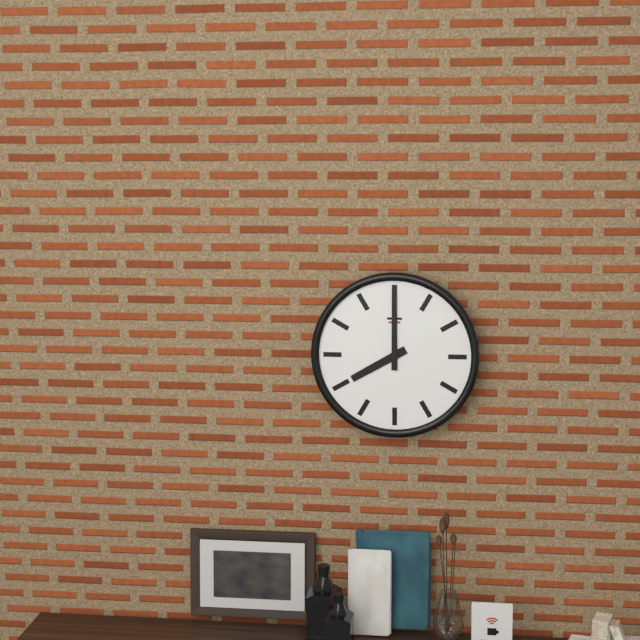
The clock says 8h00
